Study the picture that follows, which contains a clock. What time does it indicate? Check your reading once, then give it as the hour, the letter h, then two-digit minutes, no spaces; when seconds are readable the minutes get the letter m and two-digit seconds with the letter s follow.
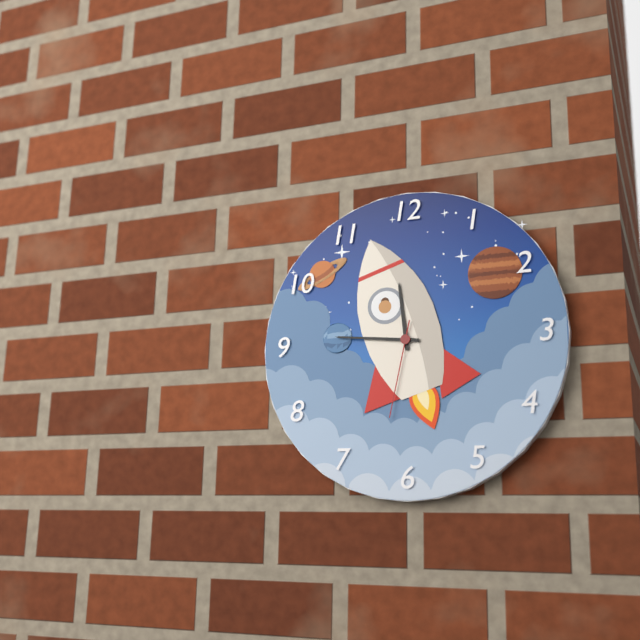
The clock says 11h46m32s
